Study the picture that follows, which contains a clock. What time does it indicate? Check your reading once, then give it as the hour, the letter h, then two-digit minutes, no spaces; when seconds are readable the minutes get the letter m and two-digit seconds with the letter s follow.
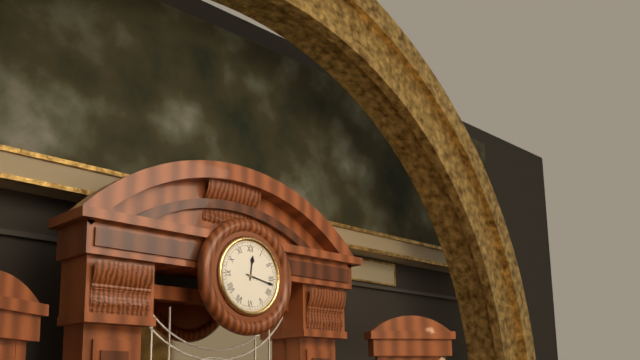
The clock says 12h17
